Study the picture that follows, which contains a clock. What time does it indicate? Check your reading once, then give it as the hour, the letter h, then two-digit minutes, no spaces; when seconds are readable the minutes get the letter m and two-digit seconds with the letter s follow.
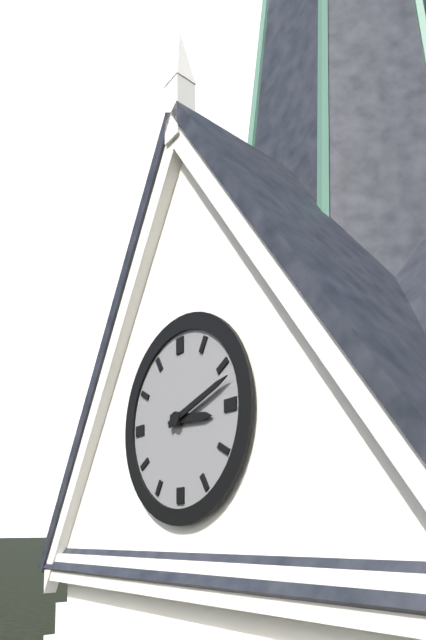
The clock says 3h12
